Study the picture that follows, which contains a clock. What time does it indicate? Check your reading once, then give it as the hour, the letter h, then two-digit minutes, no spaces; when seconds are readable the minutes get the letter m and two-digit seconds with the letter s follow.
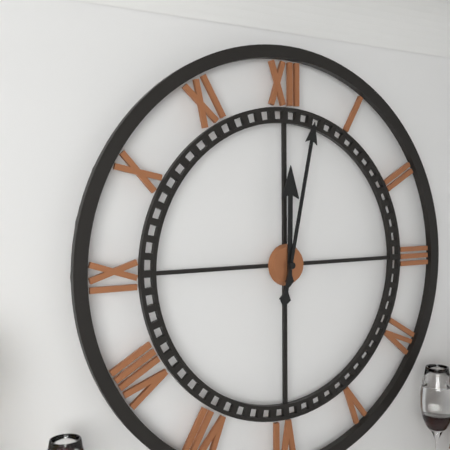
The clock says 12h02
